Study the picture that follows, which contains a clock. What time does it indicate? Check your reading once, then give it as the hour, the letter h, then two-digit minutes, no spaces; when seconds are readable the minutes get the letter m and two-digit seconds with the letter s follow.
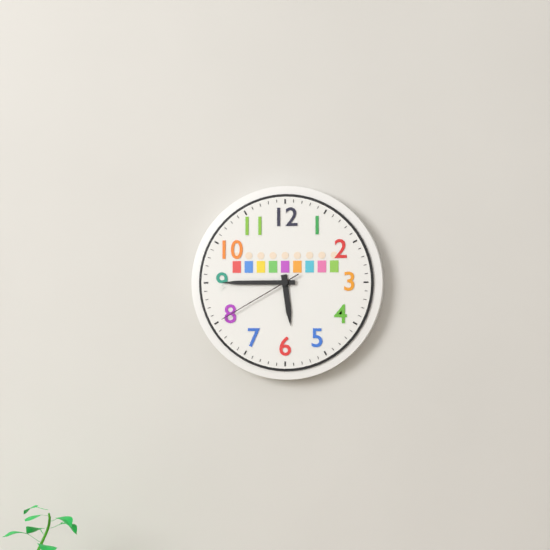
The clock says 5h45m40s
